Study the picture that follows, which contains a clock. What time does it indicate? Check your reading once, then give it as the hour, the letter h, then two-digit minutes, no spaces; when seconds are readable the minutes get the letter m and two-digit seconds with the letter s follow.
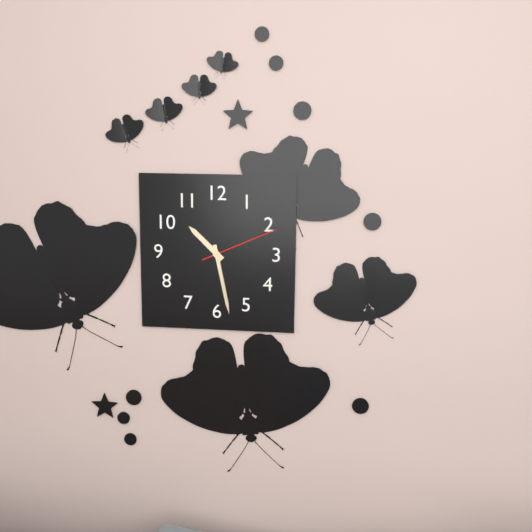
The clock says 10h28m11s
